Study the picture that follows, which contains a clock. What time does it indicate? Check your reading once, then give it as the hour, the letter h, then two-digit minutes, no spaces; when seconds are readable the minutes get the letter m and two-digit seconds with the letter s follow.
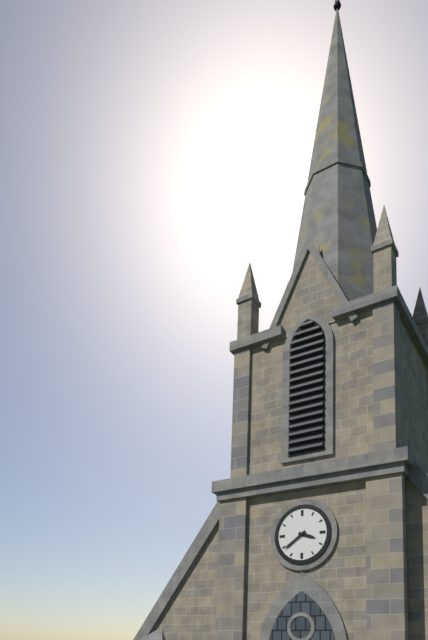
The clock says 3h39
